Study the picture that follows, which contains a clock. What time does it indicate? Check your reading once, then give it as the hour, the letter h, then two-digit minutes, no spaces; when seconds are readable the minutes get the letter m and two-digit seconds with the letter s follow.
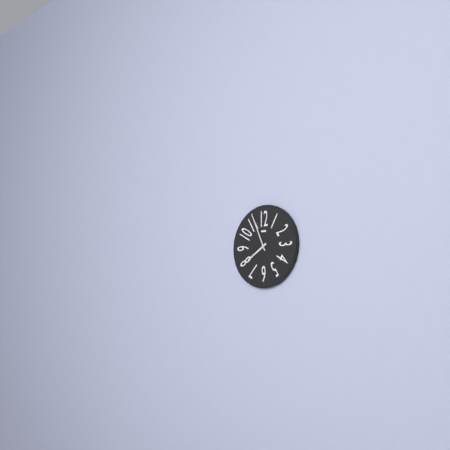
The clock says 7h56
